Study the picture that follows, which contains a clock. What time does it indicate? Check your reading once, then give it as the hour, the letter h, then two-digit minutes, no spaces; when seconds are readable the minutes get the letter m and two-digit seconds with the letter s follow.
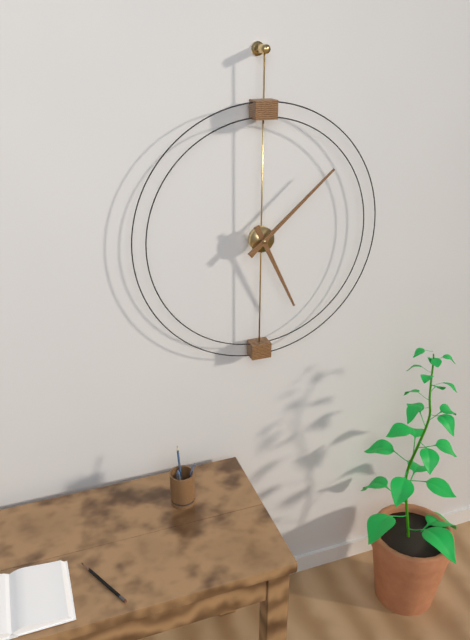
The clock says 5h08
